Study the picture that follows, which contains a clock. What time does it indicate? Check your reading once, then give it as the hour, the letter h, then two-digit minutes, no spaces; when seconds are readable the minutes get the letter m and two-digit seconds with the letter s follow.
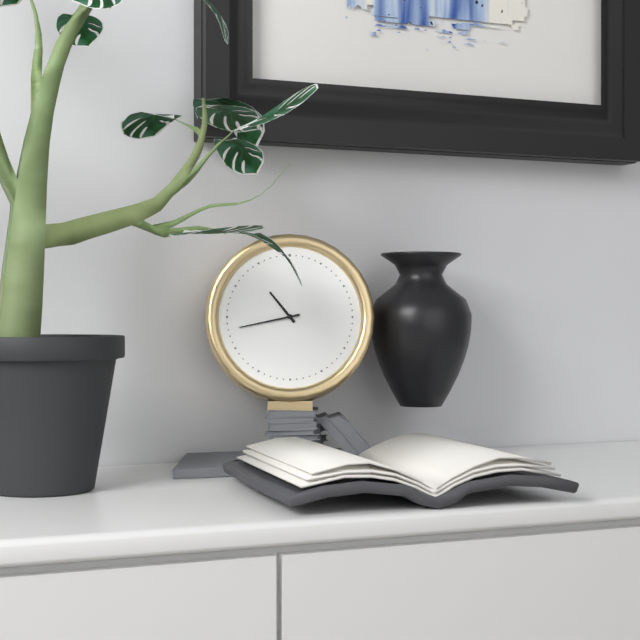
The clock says 10h43
